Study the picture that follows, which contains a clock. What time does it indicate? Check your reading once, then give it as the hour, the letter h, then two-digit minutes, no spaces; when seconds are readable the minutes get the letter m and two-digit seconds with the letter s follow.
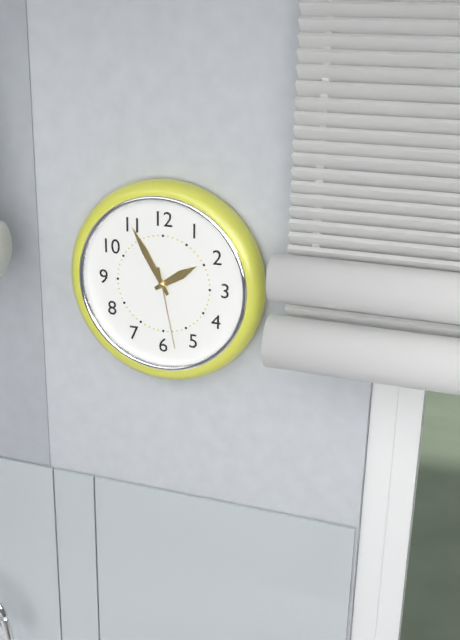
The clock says 1h55m28s
